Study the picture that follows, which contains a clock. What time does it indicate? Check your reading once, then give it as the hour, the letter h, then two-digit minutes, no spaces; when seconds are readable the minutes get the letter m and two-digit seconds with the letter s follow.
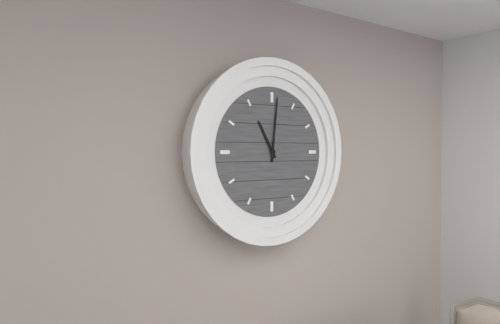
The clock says 11h01
